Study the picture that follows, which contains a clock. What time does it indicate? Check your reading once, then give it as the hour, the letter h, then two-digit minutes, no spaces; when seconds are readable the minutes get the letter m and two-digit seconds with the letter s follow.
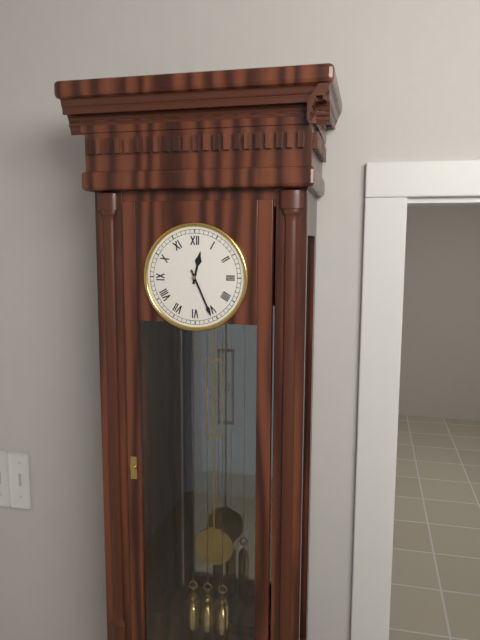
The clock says 12h26
